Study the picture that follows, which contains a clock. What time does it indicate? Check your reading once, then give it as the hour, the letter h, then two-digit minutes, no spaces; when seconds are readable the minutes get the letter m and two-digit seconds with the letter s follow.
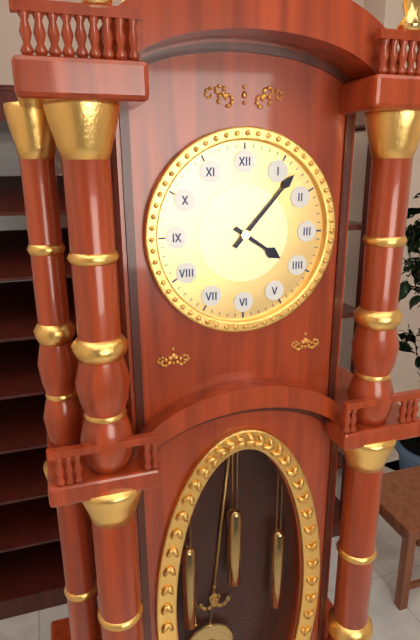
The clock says 4h07
